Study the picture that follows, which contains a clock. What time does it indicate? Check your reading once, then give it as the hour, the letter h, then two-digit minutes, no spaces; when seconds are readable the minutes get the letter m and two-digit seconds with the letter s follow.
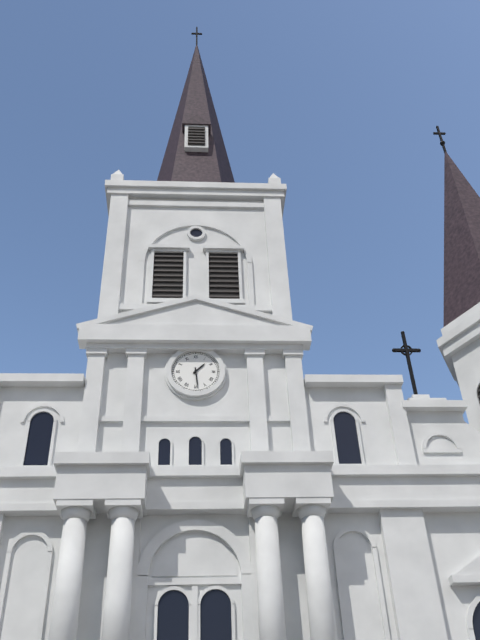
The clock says 1h29
